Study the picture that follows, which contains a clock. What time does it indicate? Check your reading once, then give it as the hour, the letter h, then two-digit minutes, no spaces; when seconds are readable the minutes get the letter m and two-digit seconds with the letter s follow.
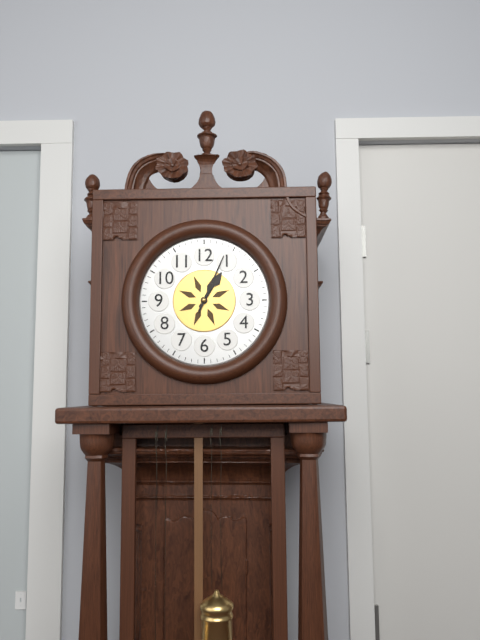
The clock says 1h04
